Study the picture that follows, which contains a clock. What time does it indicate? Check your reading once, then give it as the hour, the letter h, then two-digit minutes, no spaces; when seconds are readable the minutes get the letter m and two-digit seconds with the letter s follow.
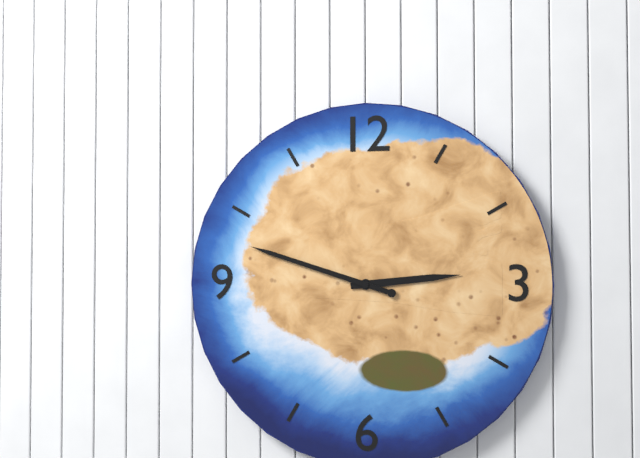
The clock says 2h48
